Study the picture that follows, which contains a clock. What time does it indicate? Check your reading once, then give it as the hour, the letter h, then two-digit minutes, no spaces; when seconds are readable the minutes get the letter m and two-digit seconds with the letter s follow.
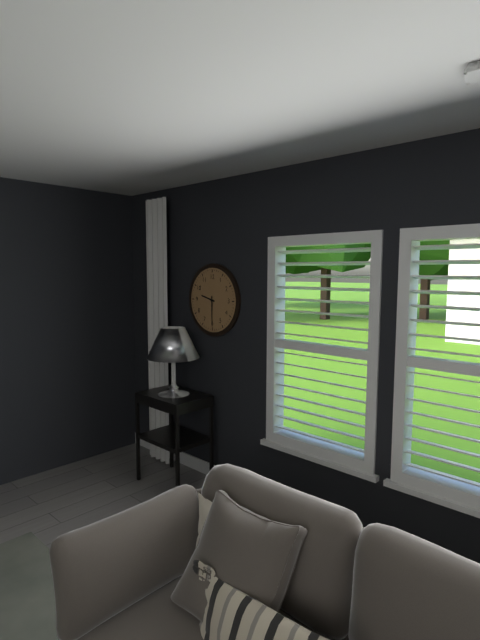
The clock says 9h30
